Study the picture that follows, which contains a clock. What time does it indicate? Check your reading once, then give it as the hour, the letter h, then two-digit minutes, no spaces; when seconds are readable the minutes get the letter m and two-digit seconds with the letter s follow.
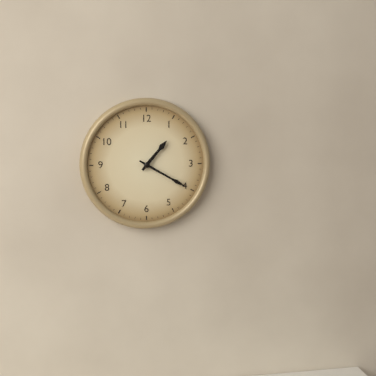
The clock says 1h20
